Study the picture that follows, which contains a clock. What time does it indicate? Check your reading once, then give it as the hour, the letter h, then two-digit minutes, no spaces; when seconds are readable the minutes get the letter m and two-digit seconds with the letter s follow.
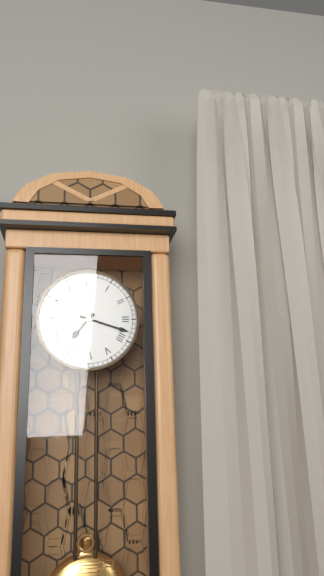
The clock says 7h18
